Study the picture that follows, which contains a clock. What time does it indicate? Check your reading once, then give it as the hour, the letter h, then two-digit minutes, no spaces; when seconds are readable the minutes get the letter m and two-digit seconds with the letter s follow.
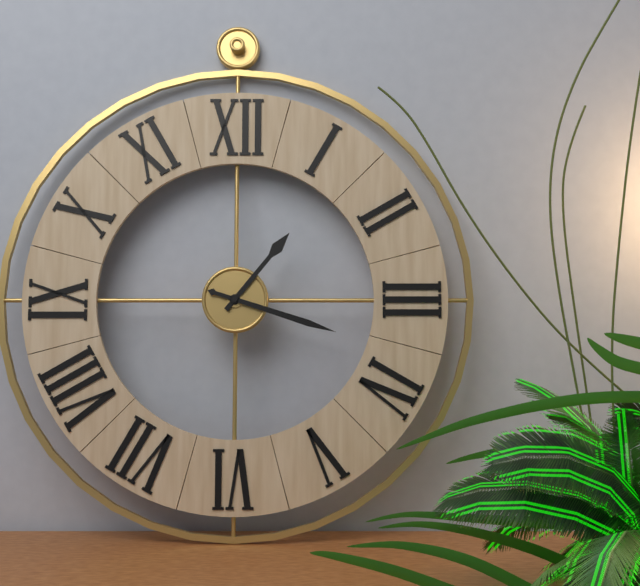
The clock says 1h18
